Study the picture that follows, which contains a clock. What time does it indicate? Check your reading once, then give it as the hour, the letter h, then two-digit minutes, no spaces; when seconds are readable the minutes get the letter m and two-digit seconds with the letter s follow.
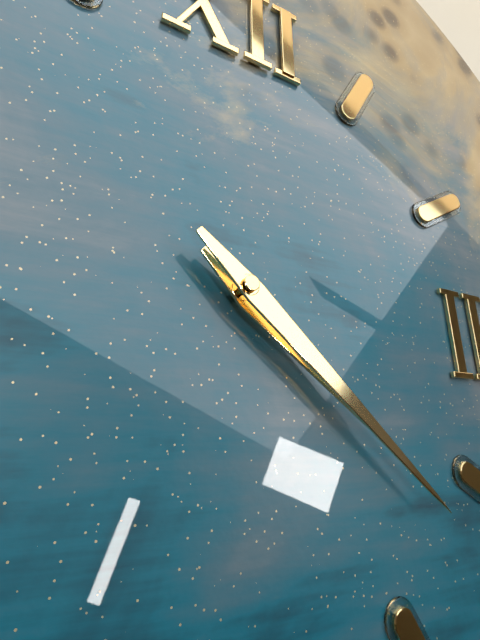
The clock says 4h22
